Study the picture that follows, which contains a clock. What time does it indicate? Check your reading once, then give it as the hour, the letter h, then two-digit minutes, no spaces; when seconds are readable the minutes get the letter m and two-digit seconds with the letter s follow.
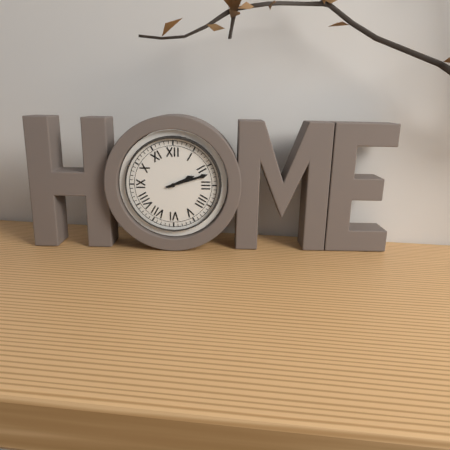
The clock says 2h12
